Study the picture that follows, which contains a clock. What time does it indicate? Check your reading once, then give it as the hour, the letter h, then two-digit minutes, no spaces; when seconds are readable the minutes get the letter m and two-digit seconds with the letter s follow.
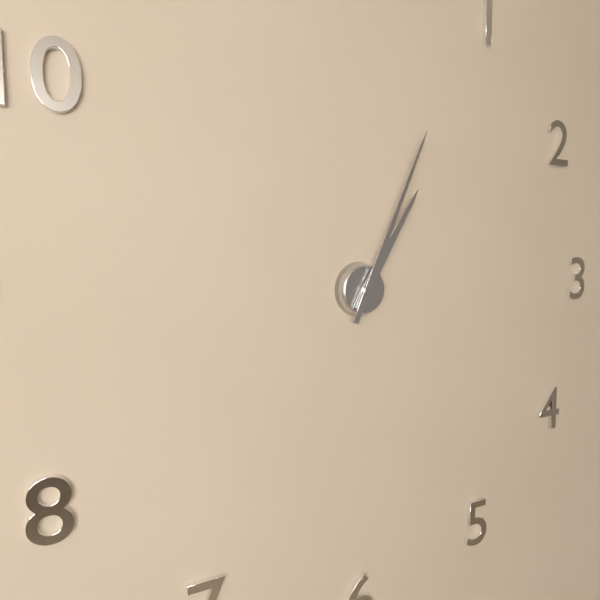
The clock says 1h04
